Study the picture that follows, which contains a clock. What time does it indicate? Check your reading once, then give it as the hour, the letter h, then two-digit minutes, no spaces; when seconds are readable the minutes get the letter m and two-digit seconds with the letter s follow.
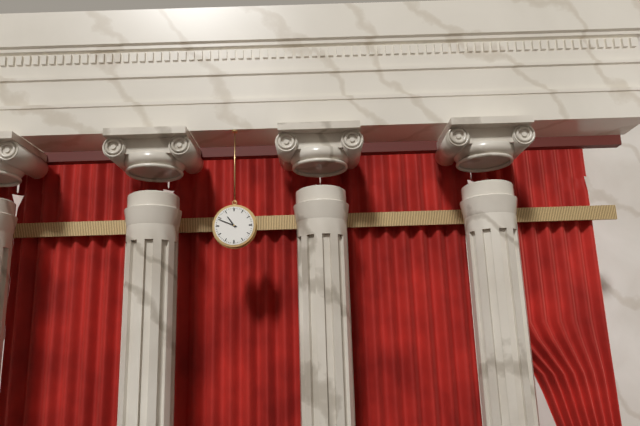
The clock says 10h49
